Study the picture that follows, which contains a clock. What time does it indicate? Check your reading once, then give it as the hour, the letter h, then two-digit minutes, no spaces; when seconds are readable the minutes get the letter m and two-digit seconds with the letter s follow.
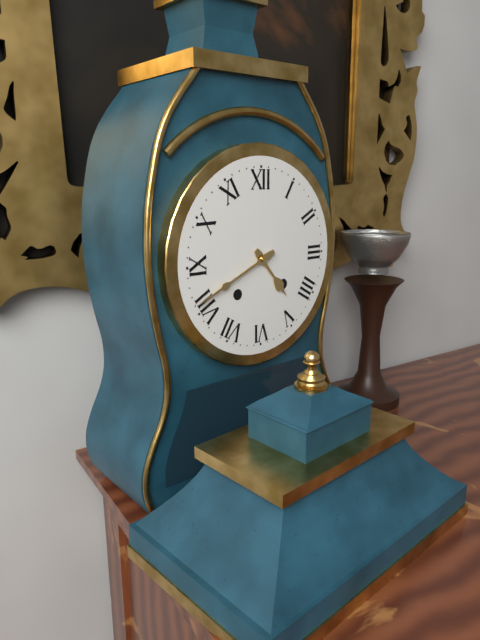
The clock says 4h41
